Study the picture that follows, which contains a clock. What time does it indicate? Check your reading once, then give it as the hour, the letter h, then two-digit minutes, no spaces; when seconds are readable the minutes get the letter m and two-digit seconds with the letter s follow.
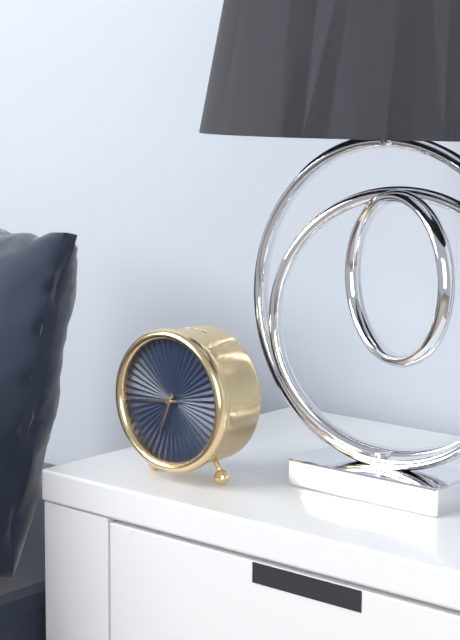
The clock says 6h44
